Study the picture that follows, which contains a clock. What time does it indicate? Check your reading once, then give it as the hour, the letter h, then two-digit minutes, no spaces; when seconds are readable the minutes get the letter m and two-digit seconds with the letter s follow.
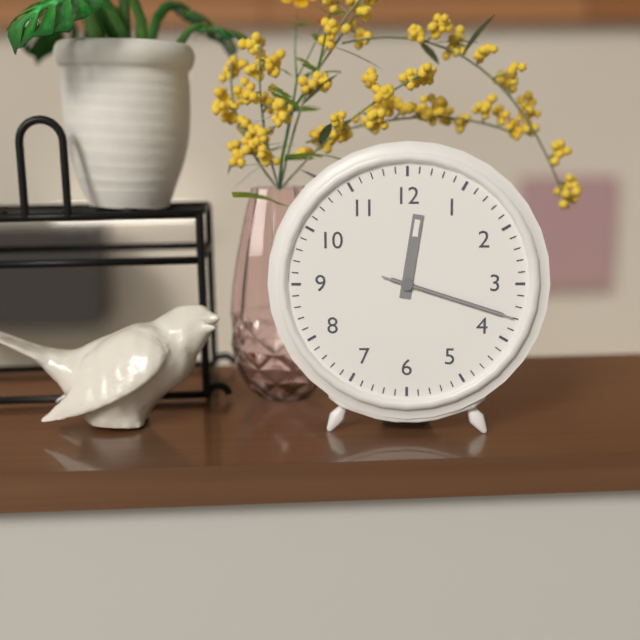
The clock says 12h18m18s
